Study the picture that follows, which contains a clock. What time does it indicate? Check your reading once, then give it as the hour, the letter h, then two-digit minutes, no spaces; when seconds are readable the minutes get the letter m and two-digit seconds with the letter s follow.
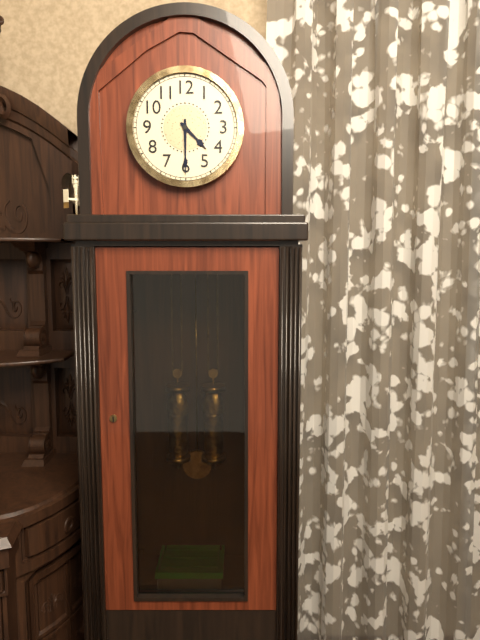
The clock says 4h30
